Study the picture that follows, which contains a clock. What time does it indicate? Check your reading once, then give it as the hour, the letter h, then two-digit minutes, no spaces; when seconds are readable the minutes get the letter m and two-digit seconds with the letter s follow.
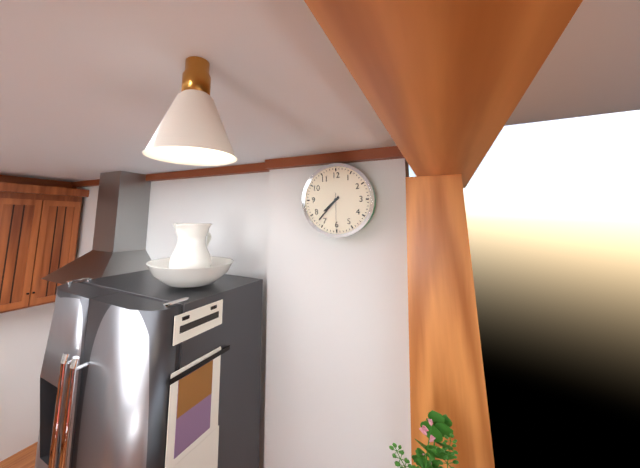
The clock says 7h37
